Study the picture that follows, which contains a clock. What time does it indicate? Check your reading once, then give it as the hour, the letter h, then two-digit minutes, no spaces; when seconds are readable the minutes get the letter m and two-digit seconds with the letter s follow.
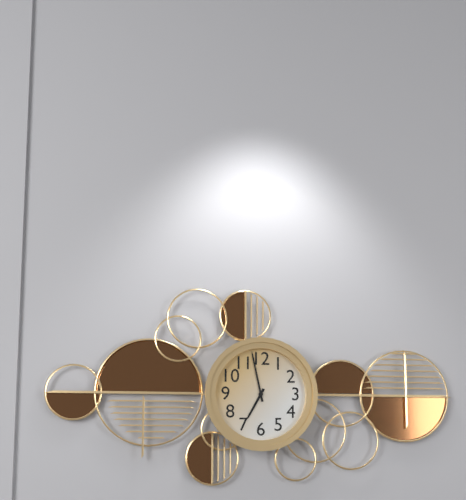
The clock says 6h58
